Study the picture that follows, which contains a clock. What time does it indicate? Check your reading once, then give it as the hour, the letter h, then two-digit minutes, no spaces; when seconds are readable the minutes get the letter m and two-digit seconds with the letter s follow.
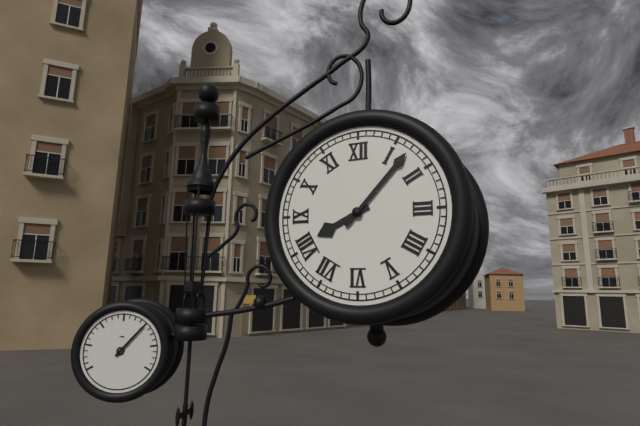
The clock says 8h07
